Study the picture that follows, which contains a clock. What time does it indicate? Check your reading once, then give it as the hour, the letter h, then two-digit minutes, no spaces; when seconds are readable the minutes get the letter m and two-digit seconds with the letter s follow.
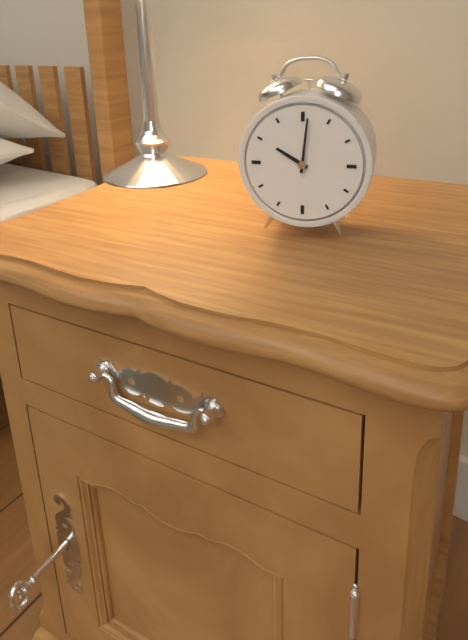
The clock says 10h01
